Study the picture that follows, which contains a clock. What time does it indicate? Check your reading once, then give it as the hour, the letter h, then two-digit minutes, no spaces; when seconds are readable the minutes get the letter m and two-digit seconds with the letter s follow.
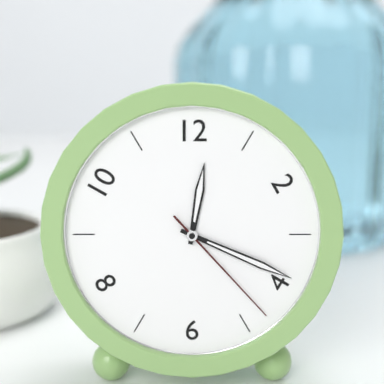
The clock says 12h19m23s
